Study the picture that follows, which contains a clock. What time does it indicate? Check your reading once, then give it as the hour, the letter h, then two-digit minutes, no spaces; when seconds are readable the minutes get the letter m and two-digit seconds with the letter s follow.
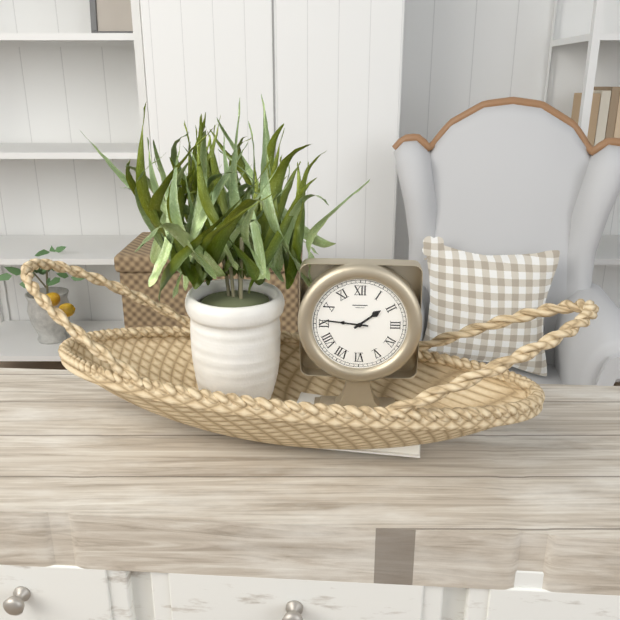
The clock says 1h46
